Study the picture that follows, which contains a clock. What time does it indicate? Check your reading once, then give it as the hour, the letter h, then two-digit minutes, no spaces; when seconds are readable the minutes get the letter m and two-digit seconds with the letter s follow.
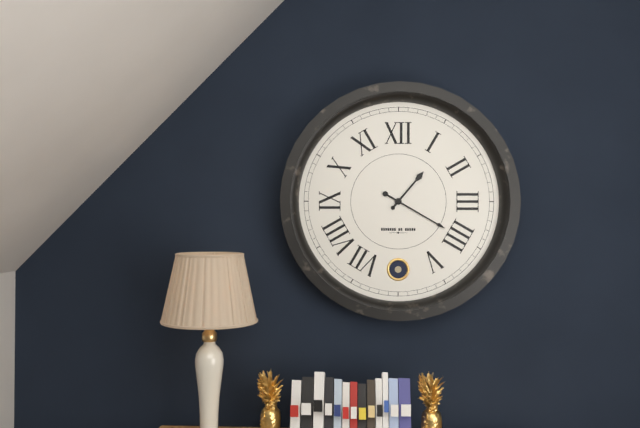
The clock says 1h20
